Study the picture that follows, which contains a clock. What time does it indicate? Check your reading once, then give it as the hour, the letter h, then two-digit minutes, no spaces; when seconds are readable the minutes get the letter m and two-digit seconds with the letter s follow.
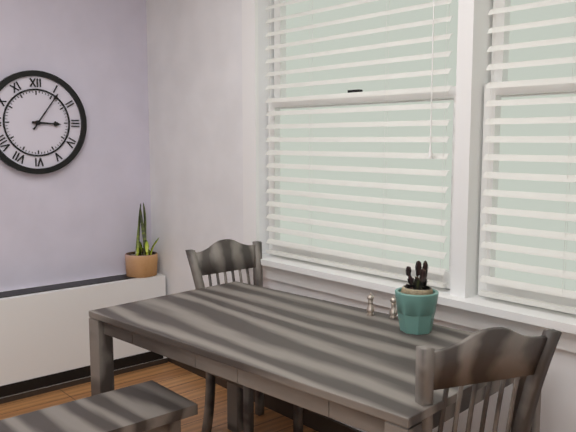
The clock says 3h06
